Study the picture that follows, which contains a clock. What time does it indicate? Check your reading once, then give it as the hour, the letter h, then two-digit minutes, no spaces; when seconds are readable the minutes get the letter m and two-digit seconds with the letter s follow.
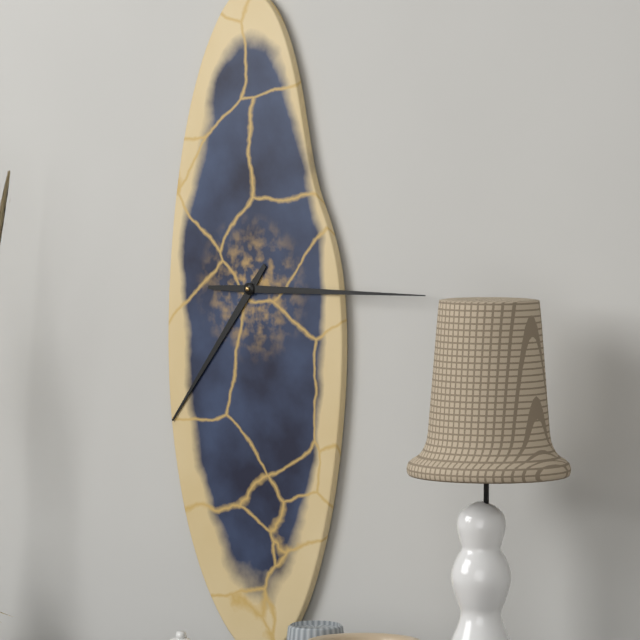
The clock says 7h15
